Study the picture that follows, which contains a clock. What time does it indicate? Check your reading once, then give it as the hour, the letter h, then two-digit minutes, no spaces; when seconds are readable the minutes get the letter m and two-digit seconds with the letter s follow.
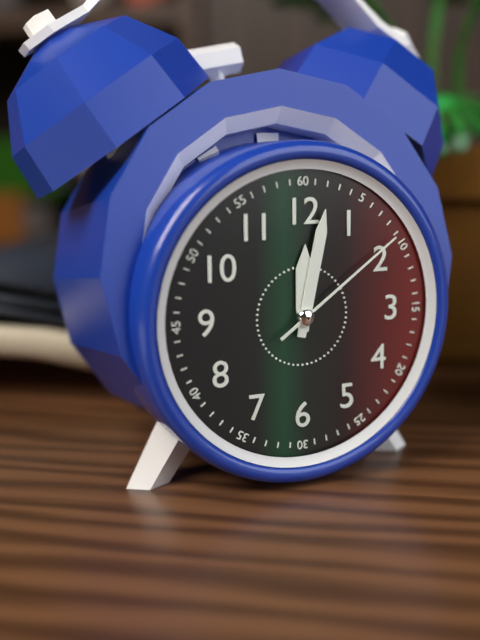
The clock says 12h02m09s
